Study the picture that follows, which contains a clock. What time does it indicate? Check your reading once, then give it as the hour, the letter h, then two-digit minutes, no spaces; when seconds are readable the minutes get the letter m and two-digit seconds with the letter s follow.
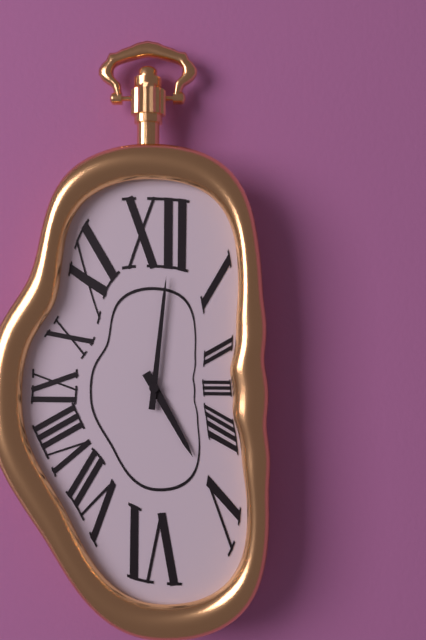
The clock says 5h01
